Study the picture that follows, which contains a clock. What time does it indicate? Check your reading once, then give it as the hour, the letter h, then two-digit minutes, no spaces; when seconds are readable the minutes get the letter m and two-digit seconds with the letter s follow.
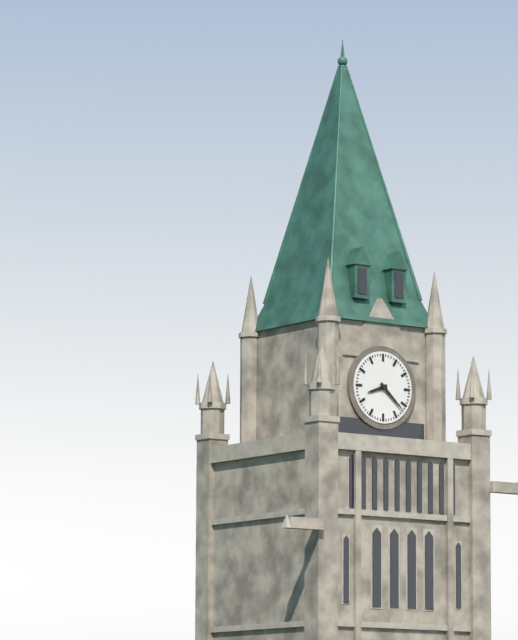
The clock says 8h22
